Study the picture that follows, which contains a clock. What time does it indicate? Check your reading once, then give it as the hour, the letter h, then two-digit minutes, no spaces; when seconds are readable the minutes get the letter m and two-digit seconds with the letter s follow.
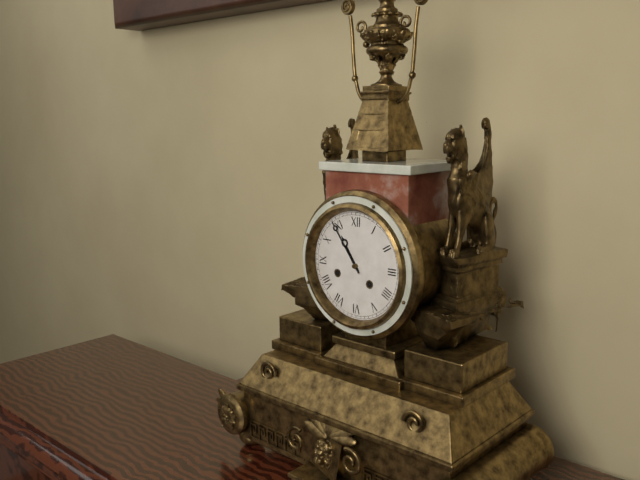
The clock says 10h54
